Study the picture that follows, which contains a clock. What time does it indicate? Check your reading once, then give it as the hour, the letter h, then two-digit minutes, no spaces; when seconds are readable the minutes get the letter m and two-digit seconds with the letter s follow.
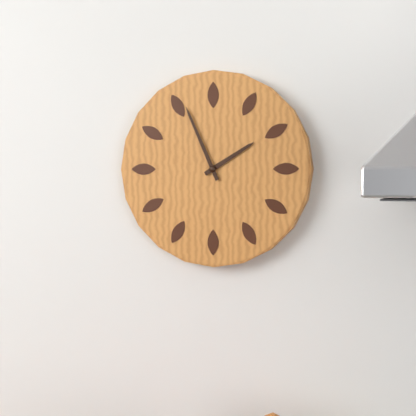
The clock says 1h56
